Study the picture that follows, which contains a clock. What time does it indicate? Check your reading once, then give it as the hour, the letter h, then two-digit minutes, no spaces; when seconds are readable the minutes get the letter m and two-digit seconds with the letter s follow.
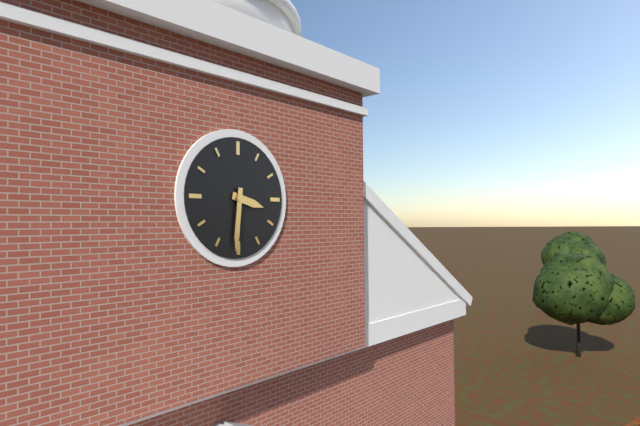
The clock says 3h31
